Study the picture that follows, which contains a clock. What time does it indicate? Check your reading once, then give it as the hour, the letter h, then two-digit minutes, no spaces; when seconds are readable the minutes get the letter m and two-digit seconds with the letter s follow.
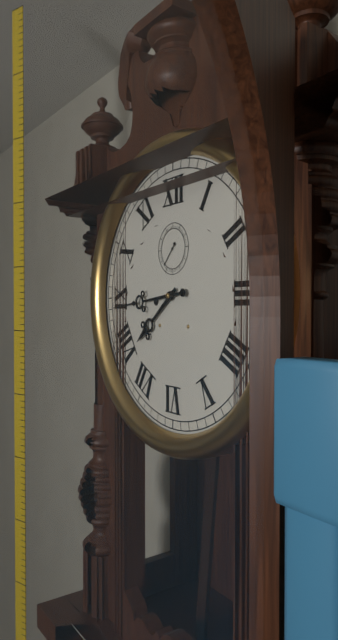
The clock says 7h44
